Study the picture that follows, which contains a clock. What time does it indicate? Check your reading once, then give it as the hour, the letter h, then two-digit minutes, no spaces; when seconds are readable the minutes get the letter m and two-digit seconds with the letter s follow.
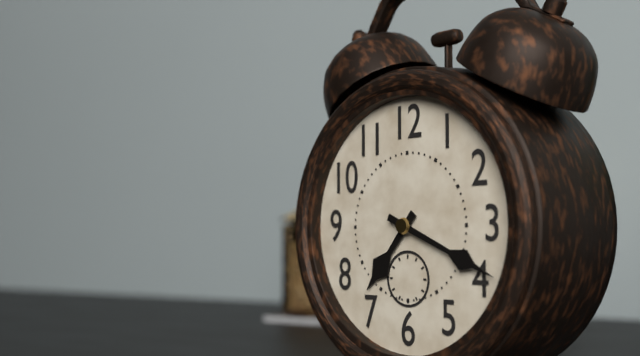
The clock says 7h19
